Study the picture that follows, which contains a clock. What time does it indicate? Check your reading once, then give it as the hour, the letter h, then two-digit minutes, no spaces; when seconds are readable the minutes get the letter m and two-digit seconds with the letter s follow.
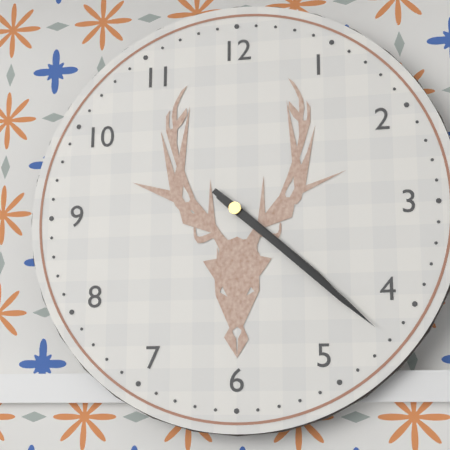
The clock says 4h22
